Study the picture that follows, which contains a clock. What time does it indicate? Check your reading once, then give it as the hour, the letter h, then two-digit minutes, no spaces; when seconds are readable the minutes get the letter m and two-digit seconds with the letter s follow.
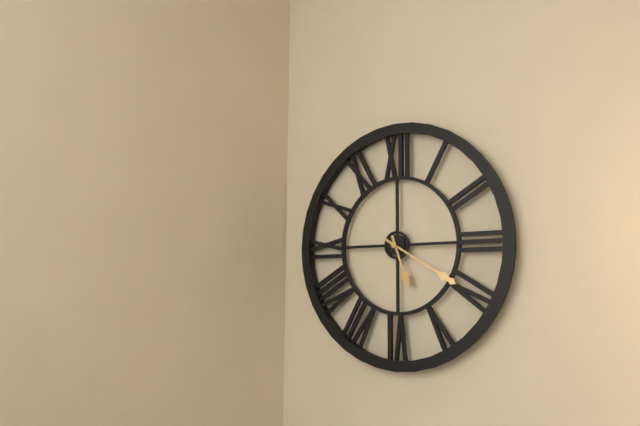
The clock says 5h20
